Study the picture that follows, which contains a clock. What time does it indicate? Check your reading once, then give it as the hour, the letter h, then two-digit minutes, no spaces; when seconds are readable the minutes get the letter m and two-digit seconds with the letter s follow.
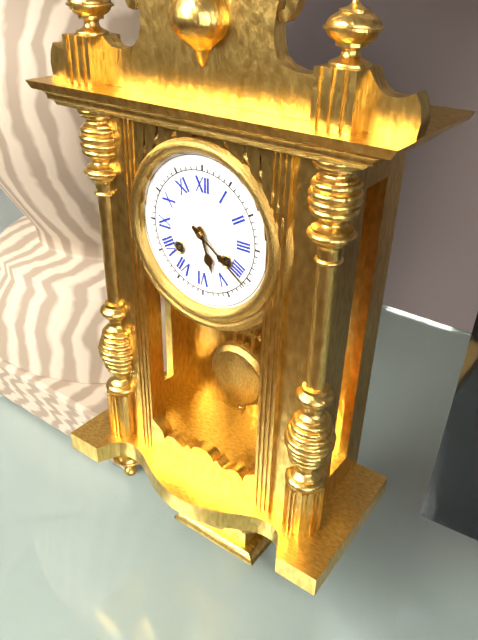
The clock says 5h21
